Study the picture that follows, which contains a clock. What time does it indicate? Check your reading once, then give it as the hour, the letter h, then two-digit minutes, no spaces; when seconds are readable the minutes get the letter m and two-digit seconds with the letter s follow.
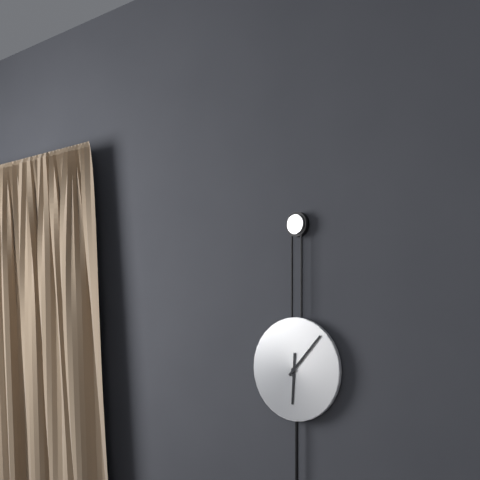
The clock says 6h07
